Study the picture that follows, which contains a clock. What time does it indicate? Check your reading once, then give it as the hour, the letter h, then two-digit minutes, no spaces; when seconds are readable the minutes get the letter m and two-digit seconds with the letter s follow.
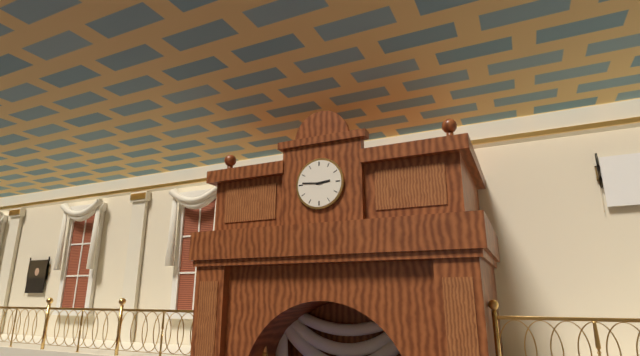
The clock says 2h46
